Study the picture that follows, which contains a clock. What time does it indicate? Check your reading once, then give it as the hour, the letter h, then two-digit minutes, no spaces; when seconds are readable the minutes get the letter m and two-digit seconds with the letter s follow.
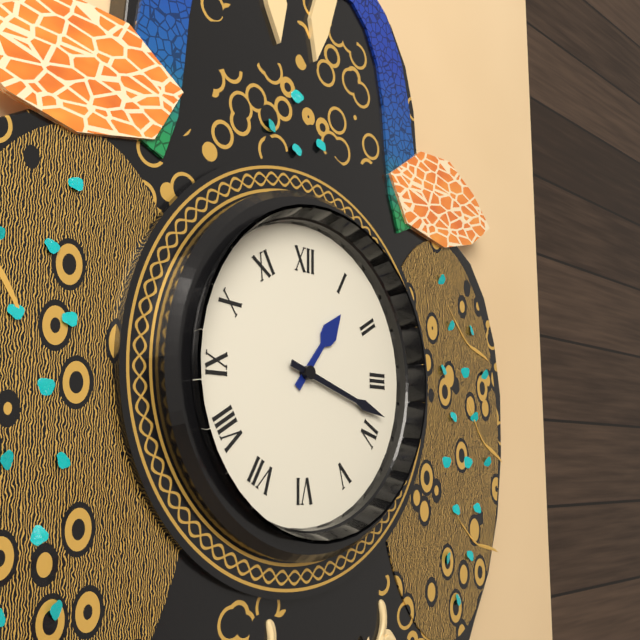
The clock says 1h18
